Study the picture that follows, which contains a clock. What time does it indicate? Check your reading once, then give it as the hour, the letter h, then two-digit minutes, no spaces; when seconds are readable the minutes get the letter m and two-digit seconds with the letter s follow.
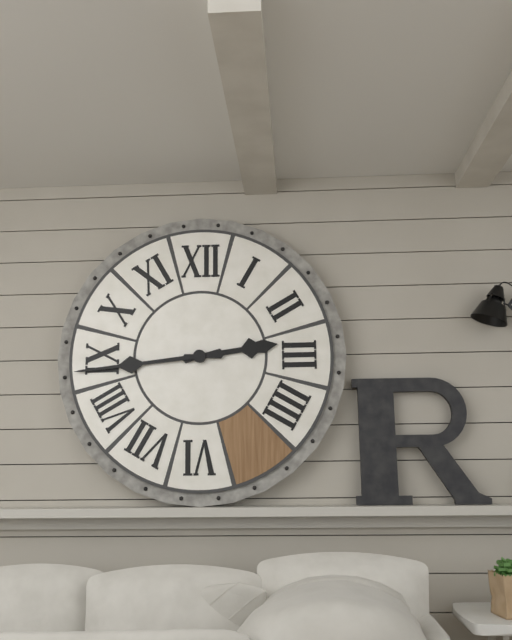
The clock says 2h44
